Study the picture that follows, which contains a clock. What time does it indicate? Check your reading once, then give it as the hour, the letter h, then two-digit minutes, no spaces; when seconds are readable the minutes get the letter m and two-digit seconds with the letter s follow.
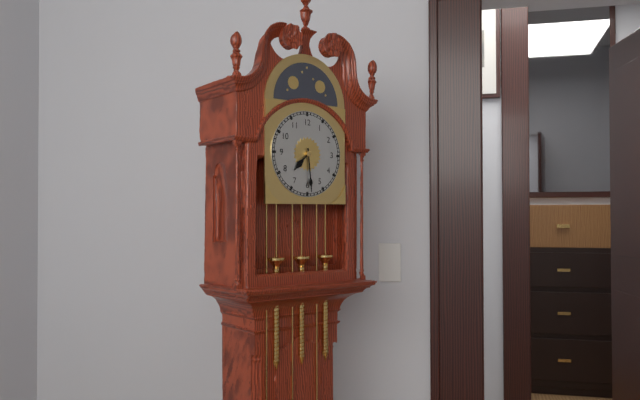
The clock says 7h29
